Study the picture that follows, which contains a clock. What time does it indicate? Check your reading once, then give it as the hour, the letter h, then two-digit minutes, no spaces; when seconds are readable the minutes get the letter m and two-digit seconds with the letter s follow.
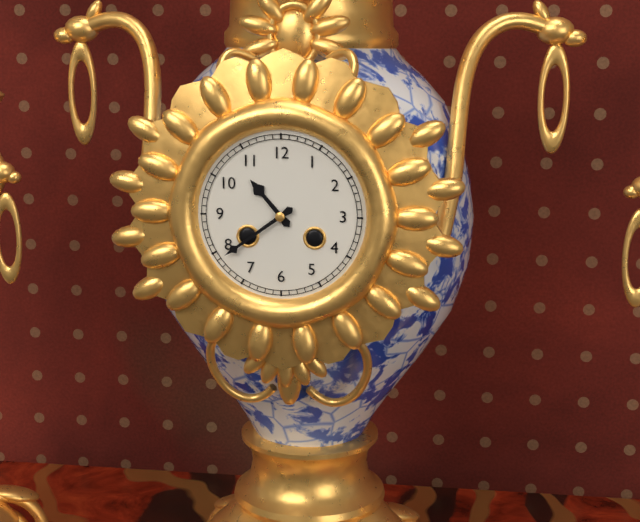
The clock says 10h39
